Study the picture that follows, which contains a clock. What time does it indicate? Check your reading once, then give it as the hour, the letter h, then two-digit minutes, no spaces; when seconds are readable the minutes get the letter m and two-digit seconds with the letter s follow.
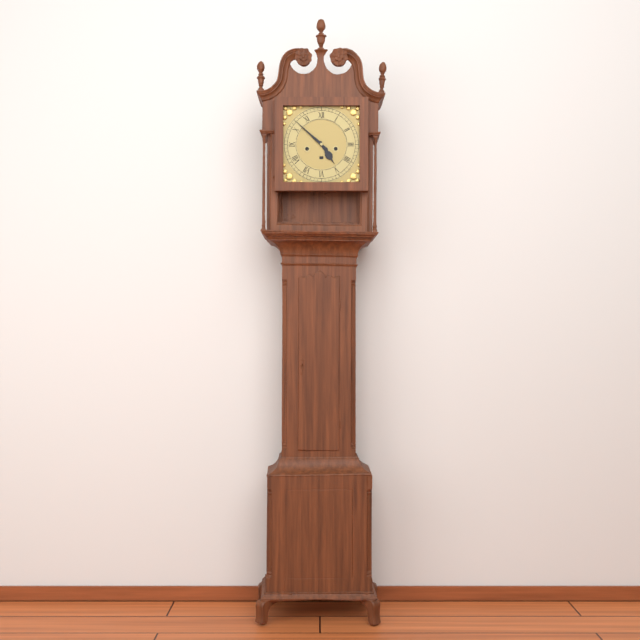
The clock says 4h52
